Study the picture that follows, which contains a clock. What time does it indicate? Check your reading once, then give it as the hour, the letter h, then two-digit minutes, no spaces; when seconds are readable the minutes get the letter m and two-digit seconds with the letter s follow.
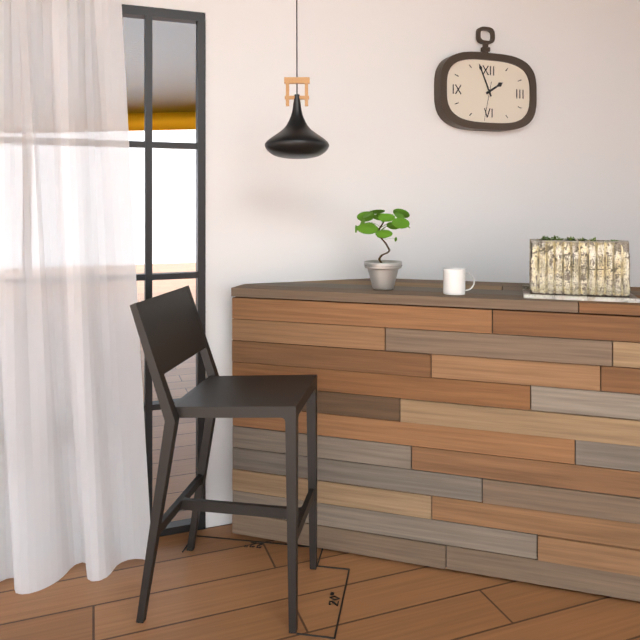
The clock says 1h56
